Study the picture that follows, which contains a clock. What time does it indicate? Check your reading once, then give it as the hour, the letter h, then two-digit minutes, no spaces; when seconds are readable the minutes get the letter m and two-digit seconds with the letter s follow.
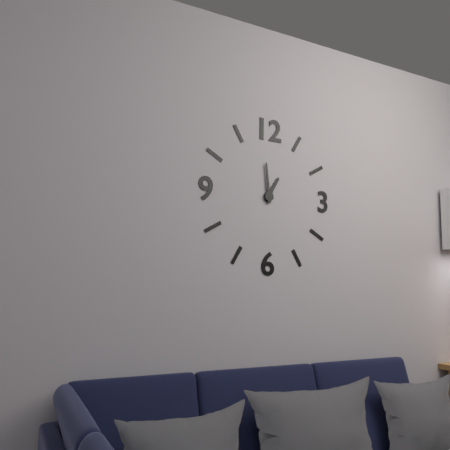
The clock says 12h59
